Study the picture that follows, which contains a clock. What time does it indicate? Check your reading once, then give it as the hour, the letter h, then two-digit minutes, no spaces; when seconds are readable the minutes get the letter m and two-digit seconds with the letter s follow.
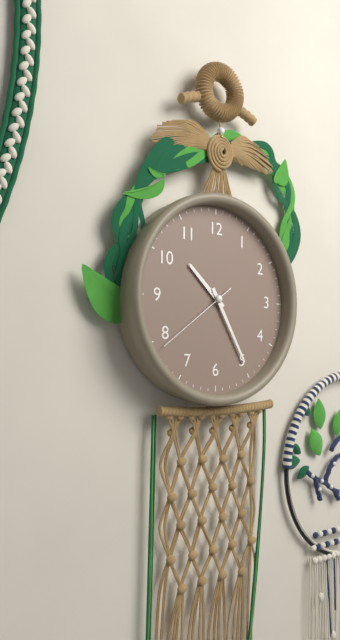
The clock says 10h25m39s
